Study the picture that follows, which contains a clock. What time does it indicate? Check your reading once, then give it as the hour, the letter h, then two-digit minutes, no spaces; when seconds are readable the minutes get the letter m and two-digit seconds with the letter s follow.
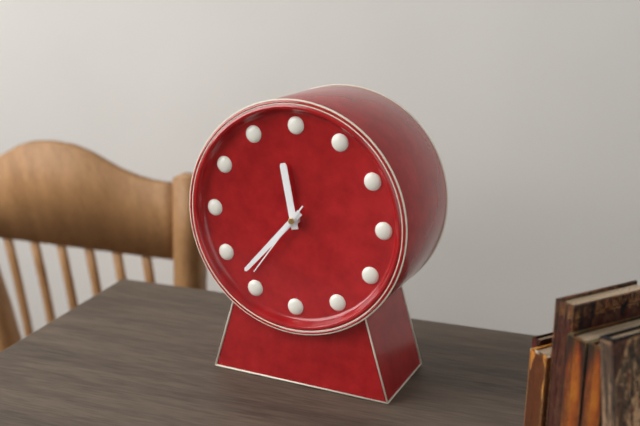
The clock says 11h37m36s
